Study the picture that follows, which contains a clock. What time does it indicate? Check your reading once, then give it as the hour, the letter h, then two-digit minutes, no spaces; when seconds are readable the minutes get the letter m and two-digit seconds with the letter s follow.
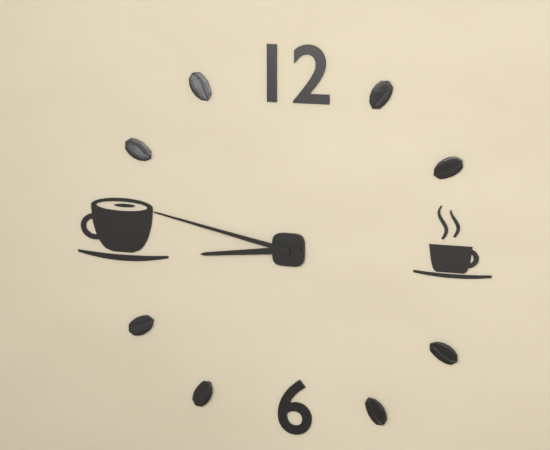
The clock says 8h47
